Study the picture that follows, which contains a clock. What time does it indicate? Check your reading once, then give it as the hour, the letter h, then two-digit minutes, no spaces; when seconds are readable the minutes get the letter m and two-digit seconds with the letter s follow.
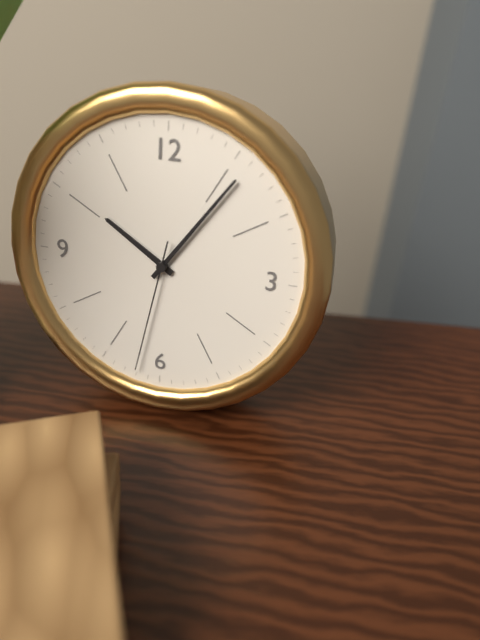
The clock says 10h06m32s
